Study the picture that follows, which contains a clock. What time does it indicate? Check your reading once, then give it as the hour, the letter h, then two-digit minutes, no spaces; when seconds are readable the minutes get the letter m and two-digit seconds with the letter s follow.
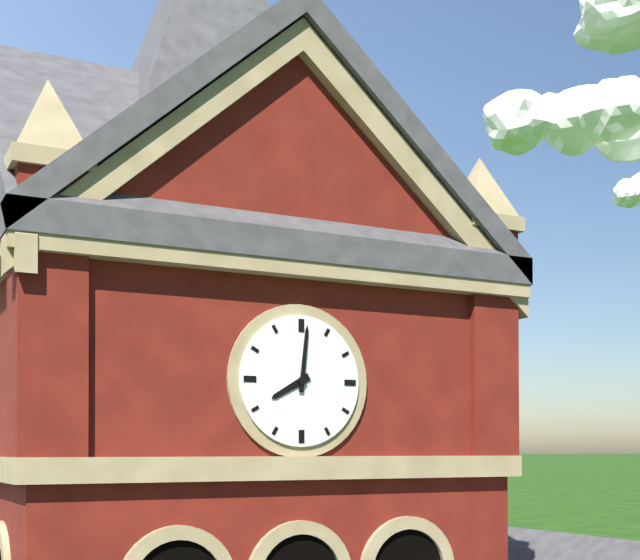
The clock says 8h01
